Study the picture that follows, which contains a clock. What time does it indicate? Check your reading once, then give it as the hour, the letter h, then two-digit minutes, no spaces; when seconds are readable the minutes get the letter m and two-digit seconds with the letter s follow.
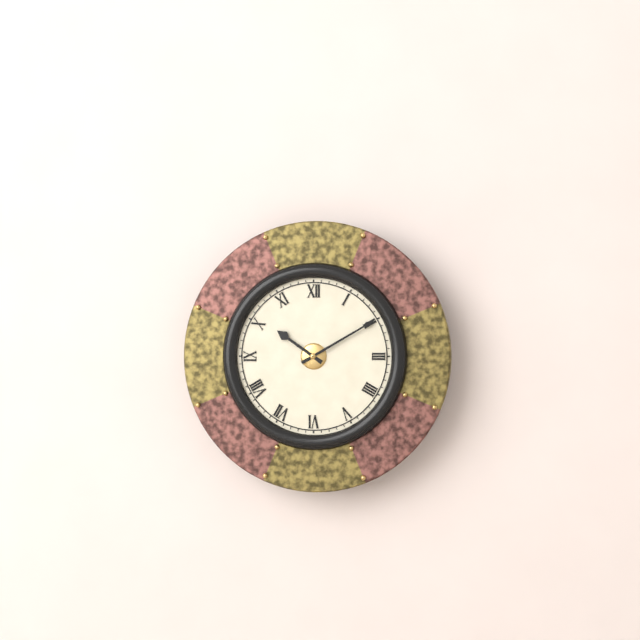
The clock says 10h10
